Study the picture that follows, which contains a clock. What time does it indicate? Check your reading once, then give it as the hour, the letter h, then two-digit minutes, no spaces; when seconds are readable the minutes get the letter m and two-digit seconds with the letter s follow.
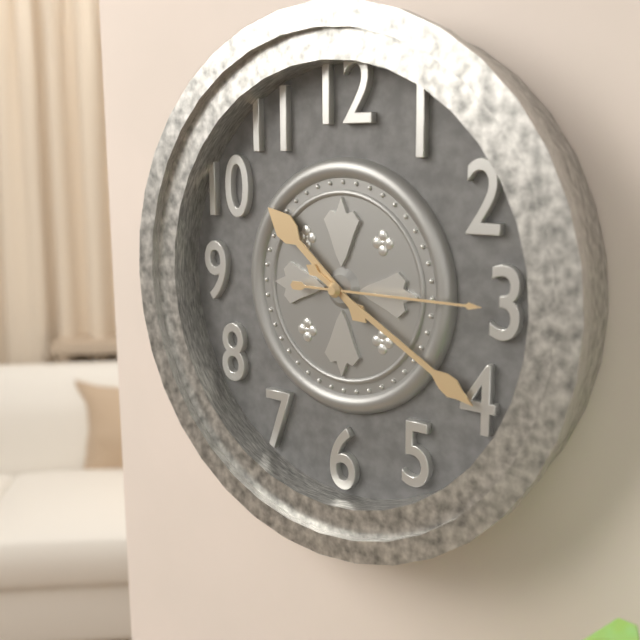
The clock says 10h20m15s
